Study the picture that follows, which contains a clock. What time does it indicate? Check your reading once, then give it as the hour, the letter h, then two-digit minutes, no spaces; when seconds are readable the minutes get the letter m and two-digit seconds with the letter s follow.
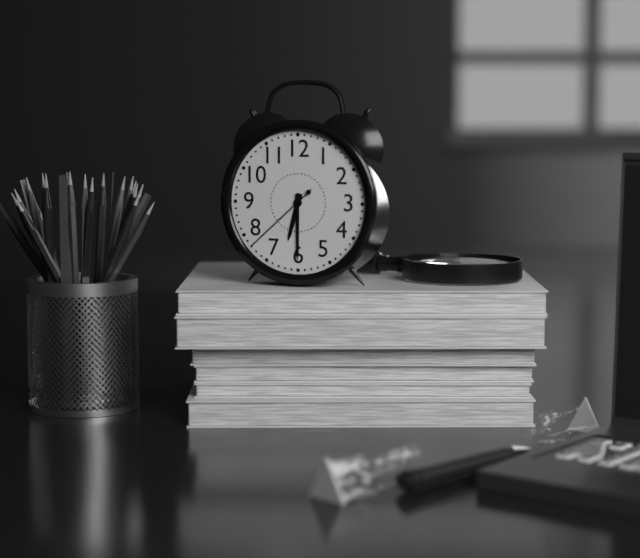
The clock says 6h30m38s
